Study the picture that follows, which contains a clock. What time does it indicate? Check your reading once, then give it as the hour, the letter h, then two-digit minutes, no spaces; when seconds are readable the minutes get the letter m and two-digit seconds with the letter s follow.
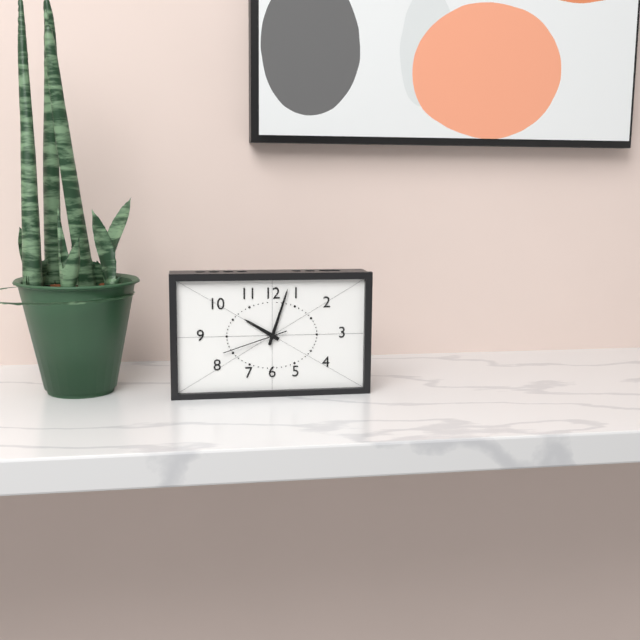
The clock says 10h03m42s
